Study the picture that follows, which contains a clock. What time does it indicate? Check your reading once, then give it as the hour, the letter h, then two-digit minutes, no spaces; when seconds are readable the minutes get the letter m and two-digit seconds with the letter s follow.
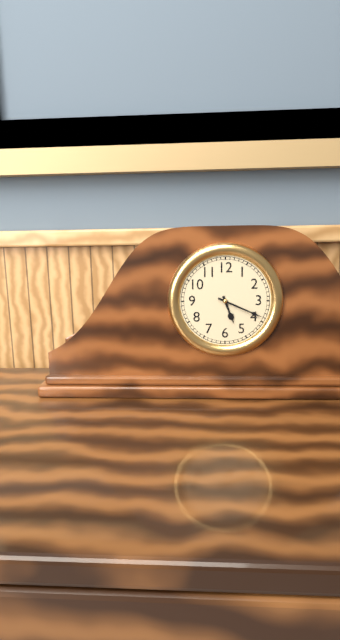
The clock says 5h19
